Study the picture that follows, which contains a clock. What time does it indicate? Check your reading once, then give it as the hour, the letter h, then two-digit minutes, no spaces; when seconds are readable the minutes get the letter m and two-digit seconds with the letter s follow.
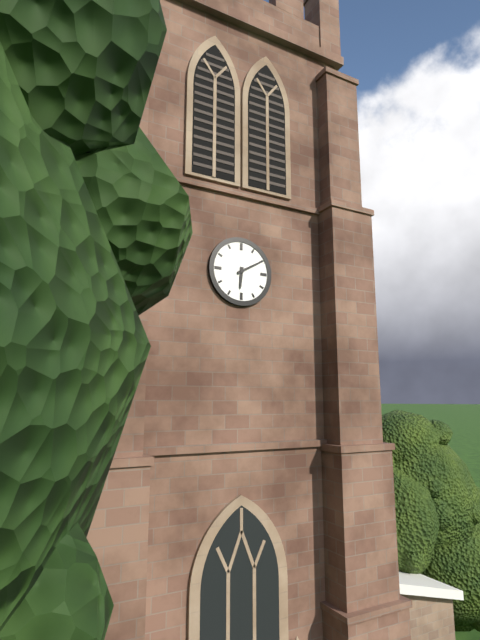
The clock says 6h10
